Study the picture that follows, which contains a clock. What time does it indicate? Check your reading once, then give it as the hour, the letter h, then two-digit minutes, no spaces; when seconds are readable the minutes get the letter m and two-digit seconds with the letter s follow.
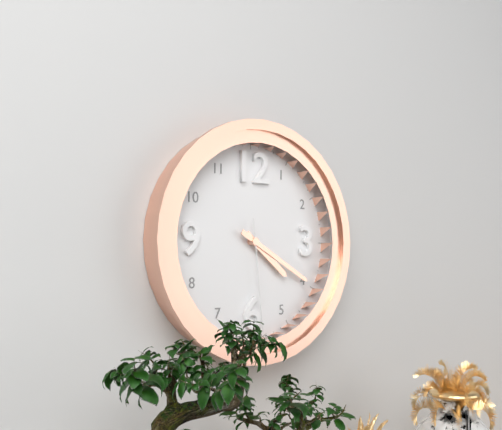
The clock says 4h20m29s
